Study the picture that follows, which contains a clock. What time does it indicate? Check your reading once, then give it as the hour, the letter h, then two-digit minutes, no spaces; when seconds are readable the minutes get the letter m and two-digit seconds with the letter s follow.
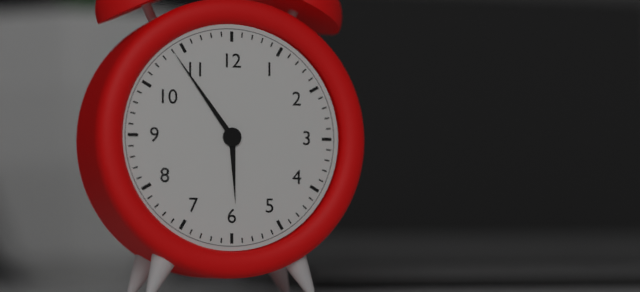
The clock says 5h54
